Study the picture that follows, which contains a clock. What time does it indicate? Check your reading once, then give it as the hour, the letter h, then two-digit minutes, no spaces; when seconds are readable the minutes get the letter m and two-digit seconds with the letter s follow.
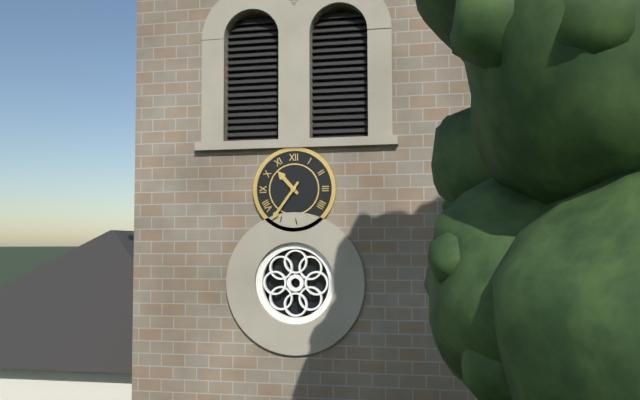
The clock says 10h36
